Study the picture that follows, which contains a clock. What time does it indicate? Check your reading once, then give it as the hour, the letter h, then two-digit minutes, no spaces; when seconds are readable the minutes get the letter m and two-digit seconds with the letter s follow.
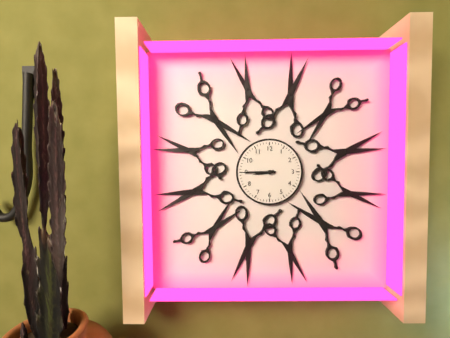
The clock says 8h45
